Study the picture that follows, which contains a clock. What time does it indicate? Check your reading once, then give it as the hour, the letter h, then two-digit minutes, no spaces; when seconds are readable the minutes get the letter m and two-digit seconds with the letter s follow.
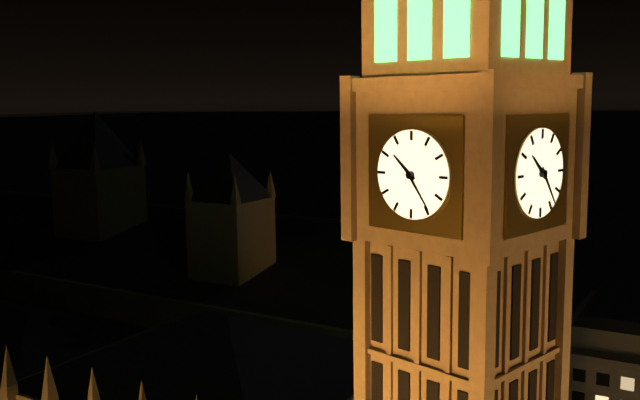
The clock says 10h24
